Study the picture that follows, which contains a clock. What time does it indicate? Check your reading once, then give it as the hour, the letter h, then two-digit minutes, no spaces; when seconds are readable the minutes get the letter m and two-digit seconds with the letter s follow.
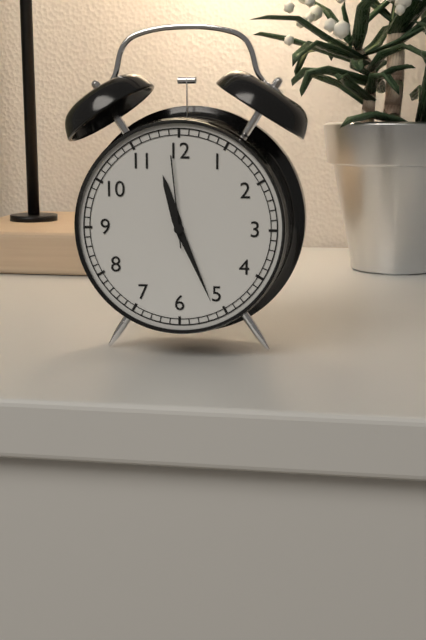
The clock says 11h26m59s
